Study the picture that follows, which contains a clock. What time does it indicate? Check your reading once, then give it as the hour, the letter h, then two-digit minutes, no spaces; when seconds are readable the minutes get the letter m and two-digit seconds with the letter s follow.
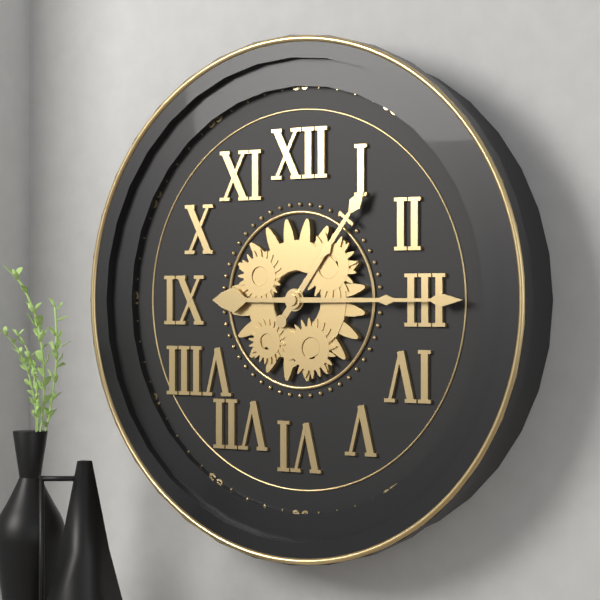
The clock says 1h15
